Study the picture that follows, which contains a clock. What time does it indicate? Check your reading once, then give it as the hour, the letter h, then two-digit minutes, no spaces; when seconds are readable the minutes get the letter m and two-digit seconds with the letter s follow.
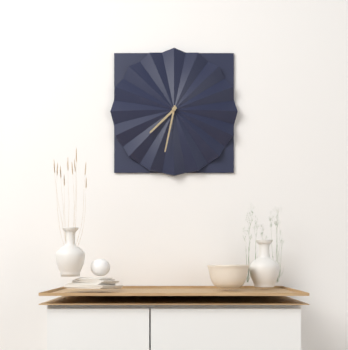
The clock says 7h32
